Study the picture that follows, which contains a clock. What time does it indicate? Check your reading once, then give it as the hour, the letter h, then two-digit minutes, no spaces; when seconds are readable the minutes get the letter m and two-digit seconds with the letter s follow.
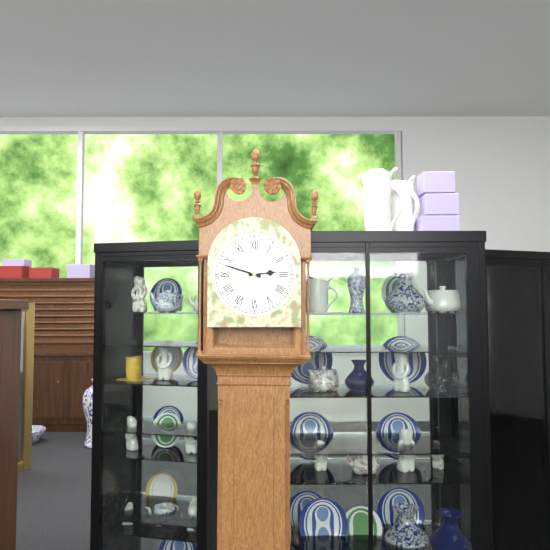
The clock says 2h48
